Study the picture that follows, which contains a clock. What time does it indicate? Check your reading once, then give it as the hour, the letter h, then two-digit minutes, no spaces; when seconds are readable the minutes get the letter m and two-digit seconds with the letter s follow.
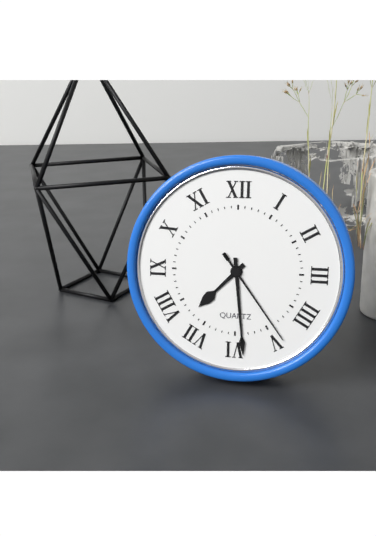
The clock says 7h29m24s
